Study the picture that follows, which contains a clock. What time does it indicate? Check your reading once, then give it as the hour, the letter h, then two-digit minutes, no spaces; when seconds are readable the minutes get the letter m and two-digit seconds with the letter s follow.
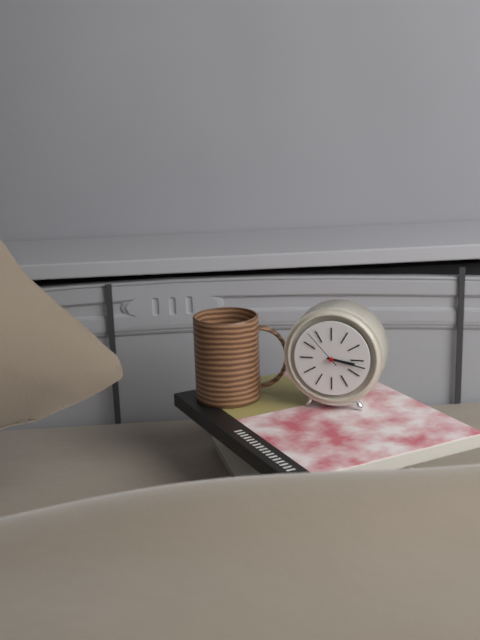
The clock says 3h17
